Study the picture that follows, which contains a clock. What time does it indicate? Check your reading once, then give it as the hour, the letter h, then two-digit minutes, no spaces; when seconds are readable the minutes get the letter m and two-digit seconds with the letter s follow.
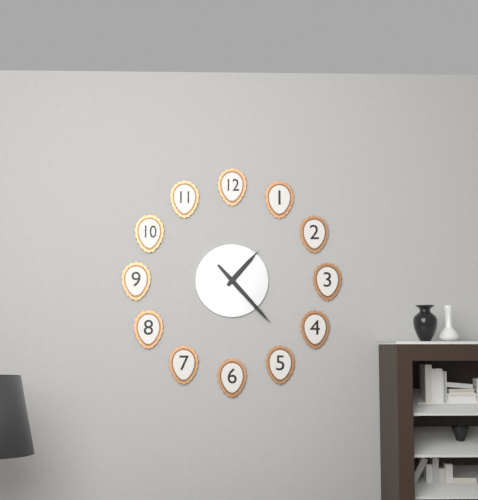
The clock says 1h23
